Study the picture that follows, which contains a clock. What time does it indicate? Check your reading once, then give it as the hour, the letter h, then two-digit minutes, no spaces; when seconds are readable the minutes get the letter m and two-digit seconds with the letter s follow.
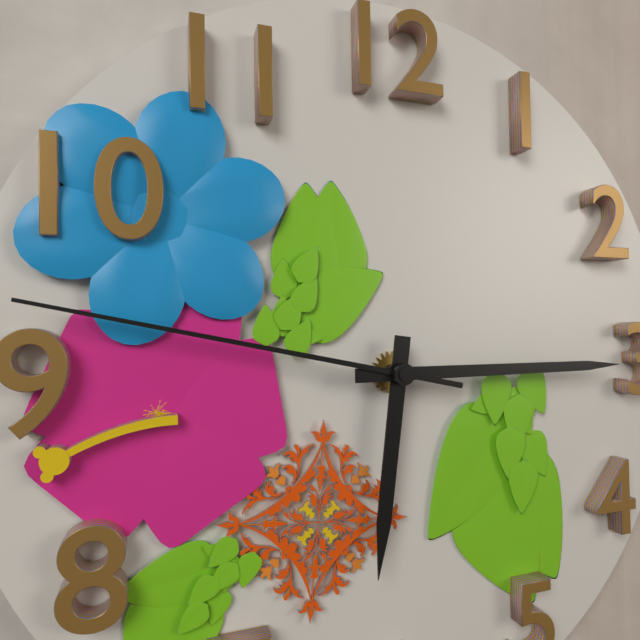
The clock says 6h15m47s
